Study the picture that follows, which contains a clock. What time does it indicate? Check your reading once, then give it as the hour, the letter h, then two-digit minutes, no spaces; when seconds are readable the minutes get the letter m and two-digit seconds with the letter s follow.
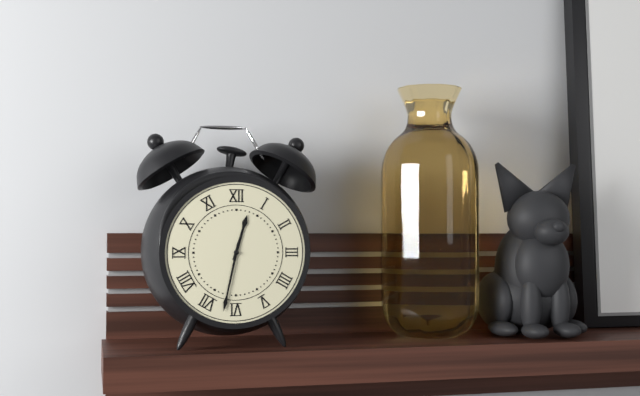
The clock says 12h32
